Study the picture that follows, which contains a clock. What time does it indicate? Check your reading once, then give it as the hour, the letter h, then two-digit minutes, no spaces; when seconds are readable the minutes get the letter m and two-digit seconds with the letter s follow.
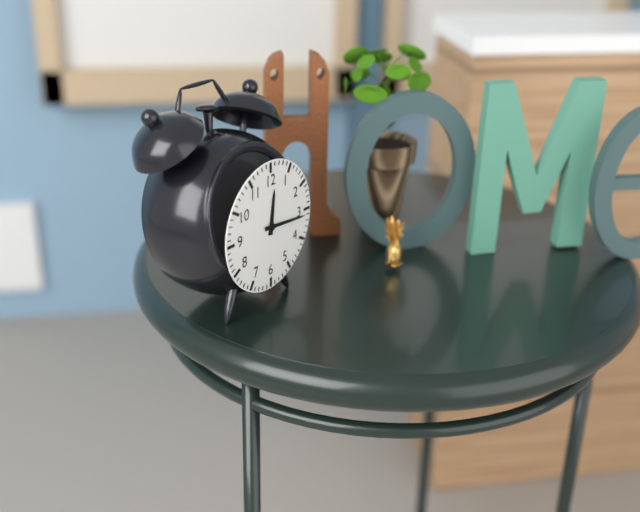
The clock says 12h16
